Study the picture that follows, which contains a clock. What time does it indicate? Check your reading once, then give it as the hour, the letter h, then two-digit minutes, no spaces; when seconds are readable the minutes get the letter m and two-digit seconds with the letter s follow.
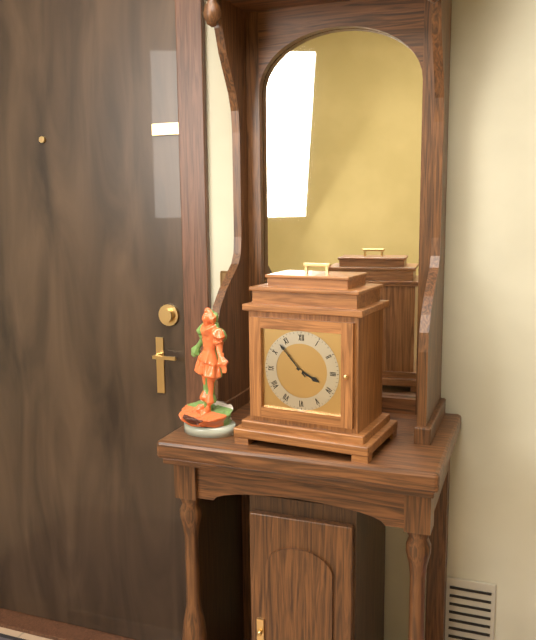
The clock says 3h53
